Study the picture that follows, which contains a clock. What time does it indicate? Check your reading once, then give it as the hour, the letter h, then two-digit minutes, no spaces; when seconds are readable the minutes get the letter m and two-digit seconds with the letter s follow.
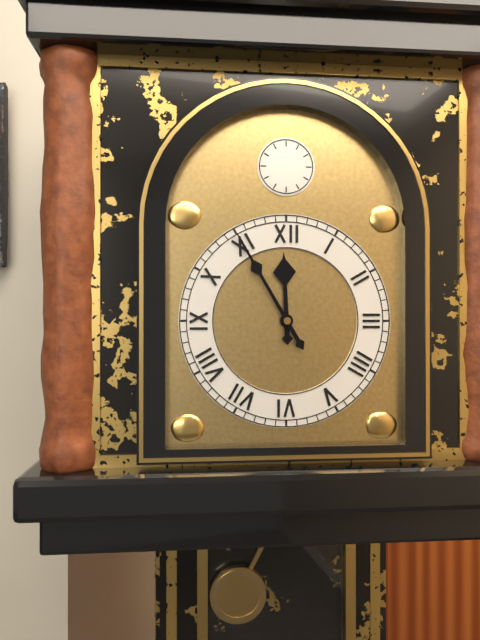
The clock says 11h55
